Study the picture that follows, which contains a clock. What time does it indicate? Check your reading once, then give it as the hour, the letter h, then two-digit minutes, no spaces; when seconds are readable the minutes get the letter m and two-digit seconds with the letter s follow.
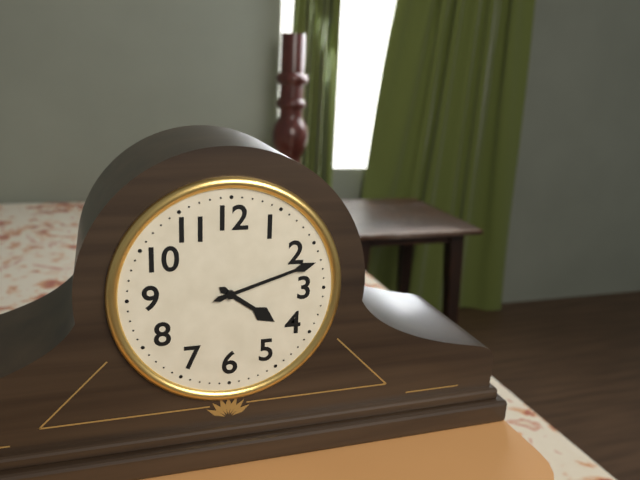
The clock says 4h12
